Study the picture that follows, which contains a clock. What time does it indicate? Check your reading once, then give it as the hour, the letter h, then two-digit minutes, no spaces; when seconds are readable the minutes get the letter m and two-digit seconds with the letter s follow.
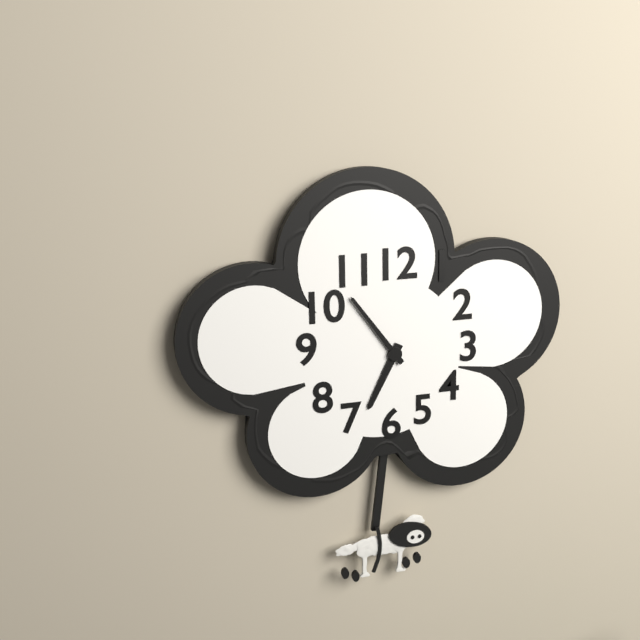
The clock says 6h54
